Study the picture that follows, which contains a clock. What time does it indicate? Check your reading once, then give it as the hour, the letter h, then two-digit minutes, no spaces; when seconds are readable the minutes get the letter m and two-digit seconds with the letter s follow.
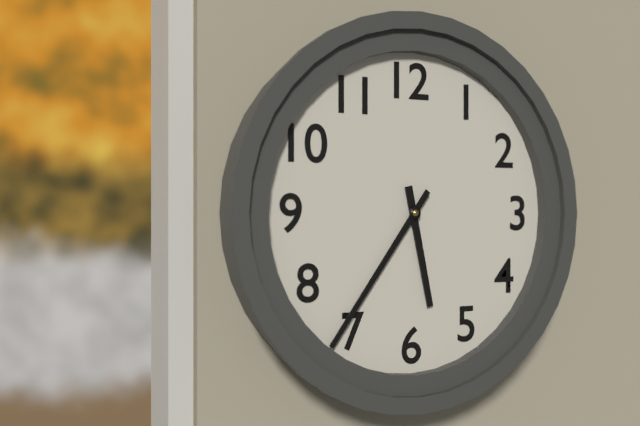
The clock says 5h36
